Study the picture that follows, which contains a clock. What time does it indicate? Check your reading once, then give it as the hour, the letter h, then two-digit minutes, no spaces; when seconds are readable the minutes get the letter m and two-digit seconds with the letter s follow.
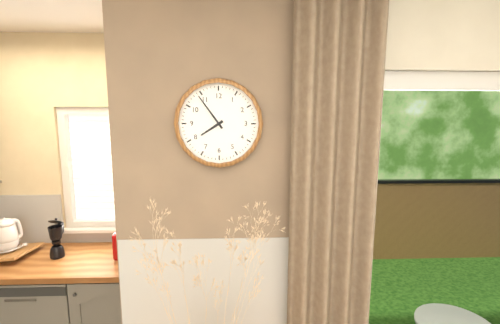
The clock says 7h54
